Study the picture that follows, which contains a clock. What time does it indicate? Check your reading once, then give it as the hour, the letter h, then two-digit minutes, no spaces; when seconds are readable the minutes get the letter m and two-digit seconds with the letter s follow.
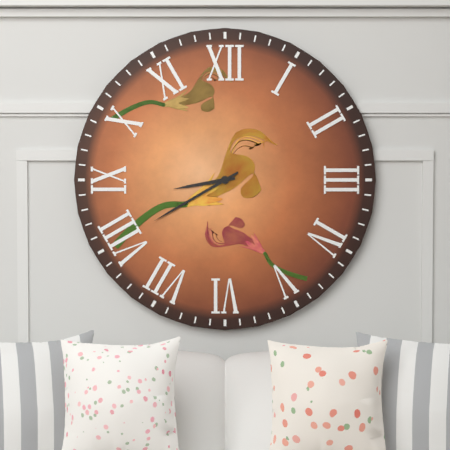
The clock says 8h40
